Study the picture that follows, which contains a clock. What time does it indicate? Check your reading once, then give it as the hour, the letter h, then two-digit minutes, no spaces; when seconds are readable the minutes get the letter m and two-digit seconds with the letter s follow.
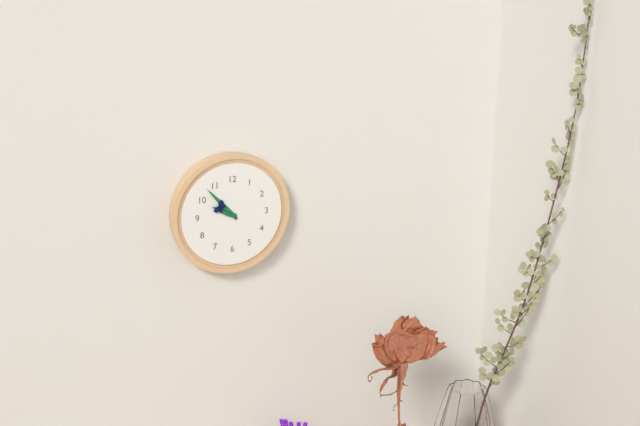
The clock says 9h53
